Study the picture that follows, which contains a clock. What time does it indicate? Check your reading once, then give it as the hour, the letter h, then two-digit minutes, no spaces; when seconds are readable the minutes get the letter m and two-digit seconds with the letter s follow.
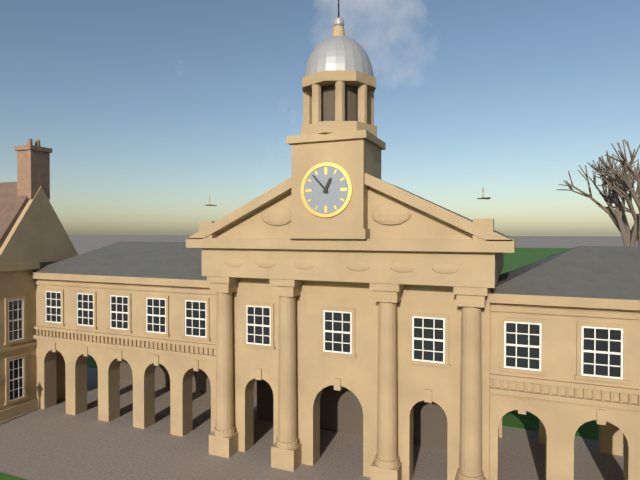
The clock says 12h53
